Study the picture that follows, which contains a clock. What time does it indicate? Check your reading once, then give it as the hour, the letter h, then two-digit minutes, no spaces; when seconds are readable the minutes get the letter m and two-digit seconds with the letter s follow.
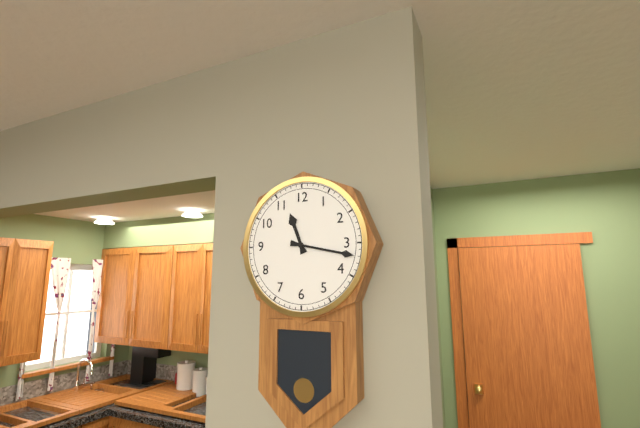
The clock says 11h17
